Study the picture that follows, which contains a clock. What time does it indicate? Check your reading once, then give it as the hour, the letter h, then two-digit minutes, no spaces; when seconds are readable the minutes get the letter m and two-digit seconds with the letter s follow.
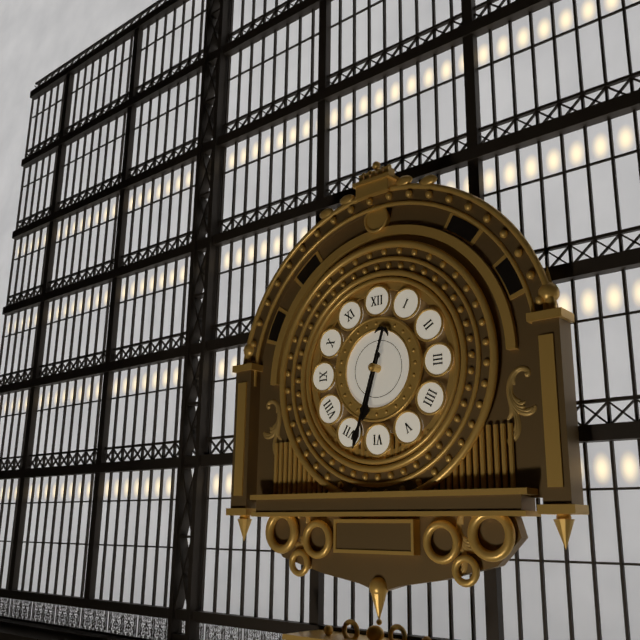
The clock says 6h33
